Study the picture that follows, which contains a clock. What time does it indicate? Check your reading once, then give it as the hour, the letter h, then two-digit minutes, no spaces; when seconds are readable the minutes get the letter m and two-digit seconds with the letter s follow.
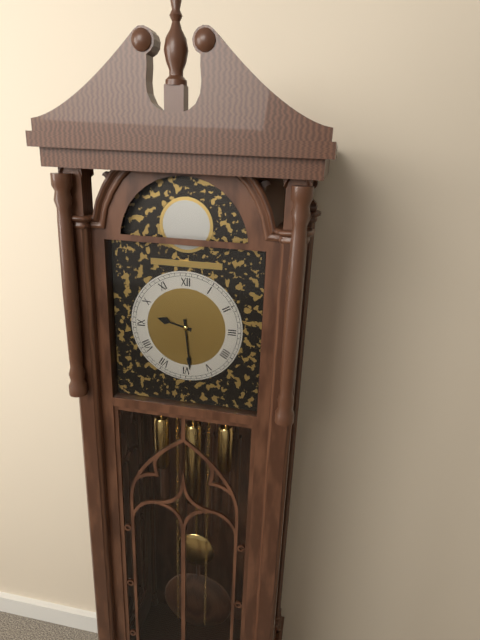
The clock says 9h29
